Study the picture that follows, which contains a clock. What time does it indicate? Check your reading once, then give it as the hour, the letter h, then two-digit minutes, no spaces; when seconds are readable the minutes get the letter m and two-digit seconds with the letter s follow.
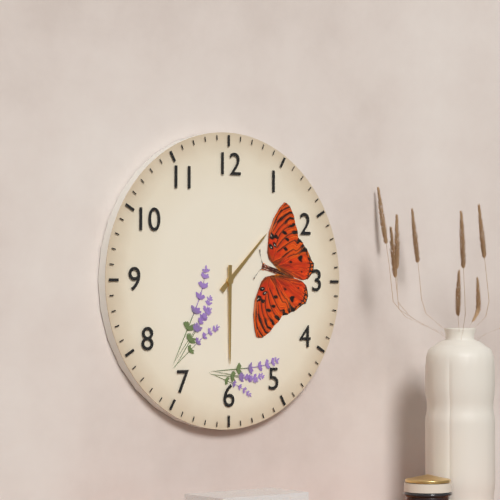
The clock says 1h30
